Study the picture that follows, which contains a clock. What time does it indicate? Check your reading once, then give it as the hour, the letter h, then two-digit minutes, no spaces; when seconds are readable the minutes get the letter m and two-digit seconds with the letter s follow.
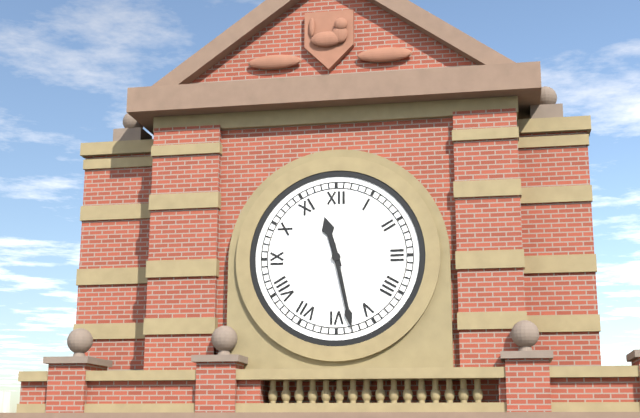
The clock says 11h28
